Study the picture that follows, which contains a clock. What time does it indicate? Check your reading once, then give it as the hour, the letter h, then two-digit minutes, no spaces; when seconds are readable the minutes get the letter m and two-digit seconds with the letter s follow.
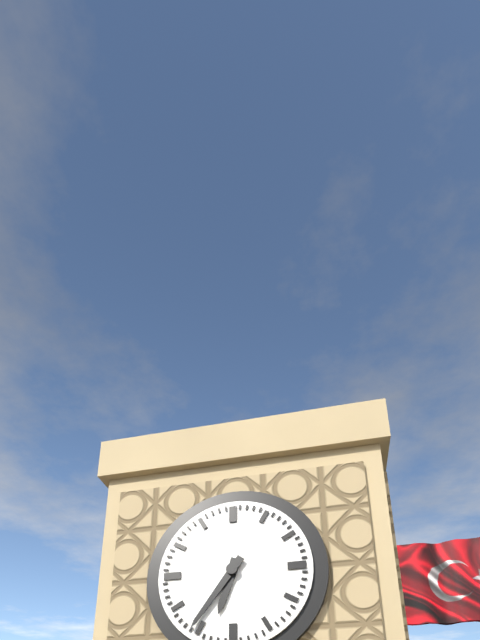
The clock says 6h36
